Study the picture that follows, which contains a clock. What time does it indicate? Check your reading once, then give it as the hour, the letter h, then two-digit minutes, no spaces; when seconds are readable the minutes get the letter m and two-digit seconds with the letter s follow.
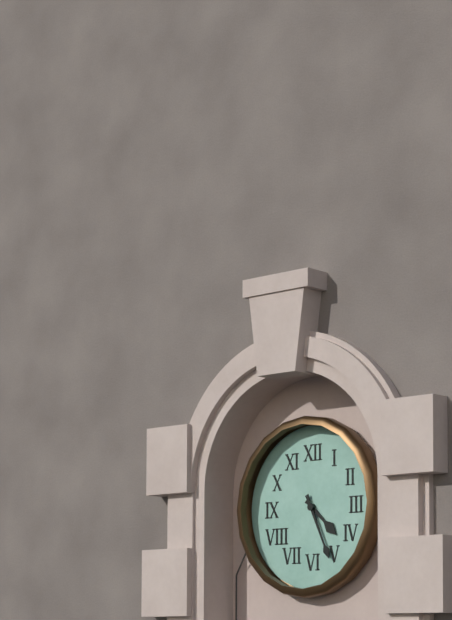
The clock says 4h26
